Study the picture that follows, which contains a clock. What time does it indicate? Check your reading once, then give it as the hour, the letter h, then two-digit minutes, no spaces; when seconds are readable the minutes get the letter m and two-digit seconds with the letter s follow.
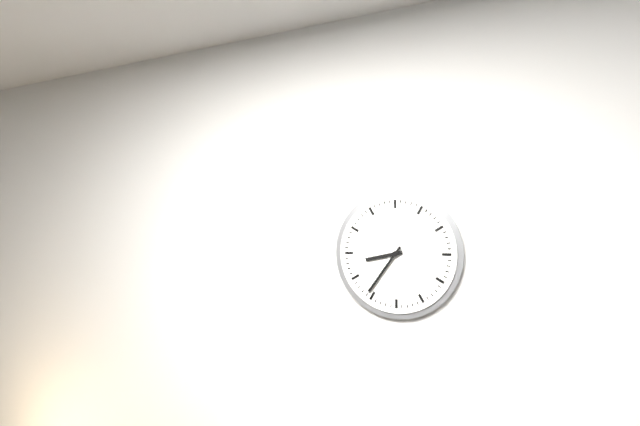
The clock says 8h36
